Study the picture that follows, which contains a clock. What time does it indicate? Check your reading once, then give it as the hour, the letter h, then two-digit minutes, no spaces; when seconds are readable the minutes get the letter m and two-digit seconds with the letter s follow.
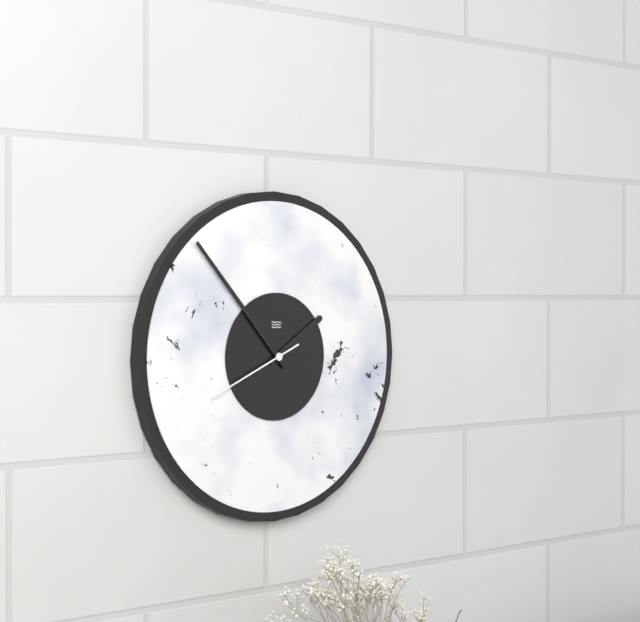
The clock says 1h53m41s
